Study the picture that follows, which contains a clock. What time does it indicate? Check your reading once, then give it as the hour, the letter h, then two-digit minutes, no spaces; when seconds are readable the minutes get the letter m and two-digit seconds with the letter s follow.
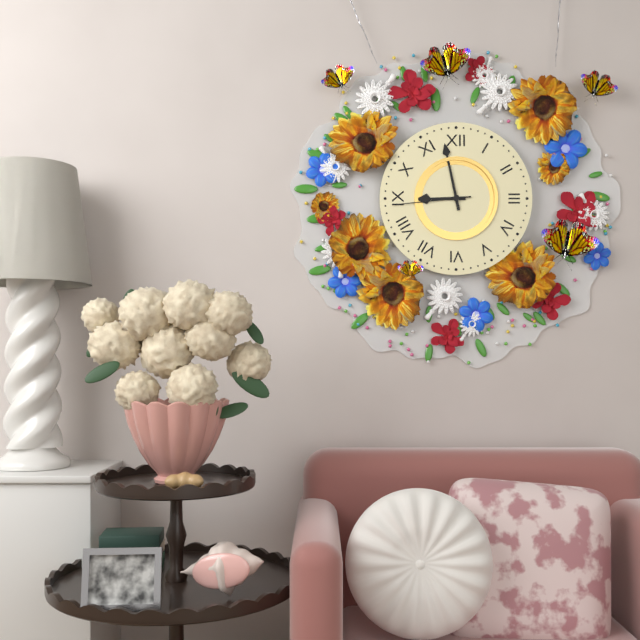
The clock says 8h58m44s
